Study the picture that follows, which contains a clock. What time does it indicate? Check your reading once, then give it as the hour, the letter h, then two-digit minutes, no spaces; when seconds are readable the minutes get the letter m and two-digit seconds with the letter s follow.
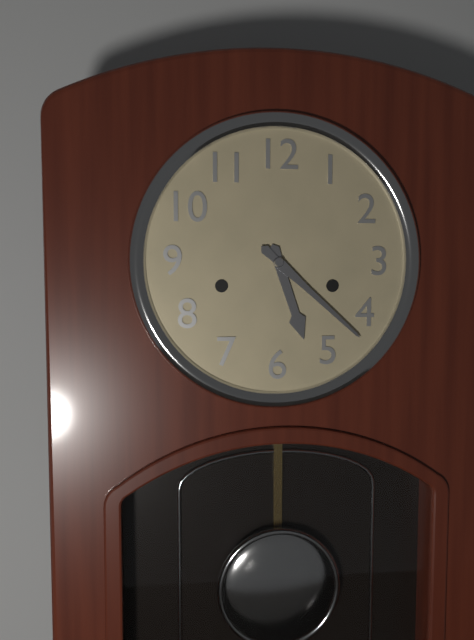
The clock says 5h22
